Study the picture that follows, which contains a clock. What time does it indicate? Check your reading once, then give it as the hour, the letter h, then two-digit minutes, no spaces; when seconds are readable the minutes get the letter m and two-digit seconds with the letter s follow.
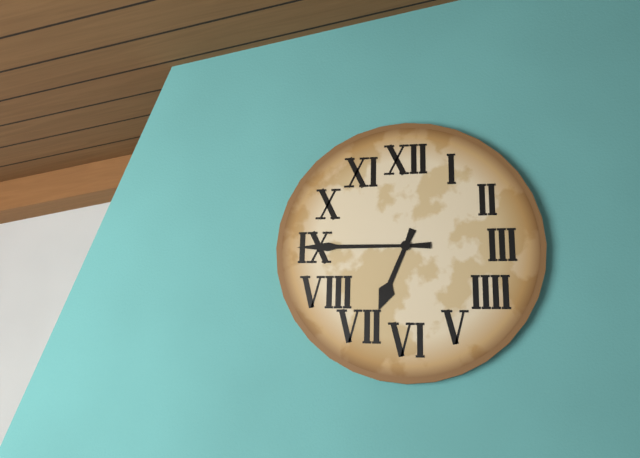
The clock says 6h45
